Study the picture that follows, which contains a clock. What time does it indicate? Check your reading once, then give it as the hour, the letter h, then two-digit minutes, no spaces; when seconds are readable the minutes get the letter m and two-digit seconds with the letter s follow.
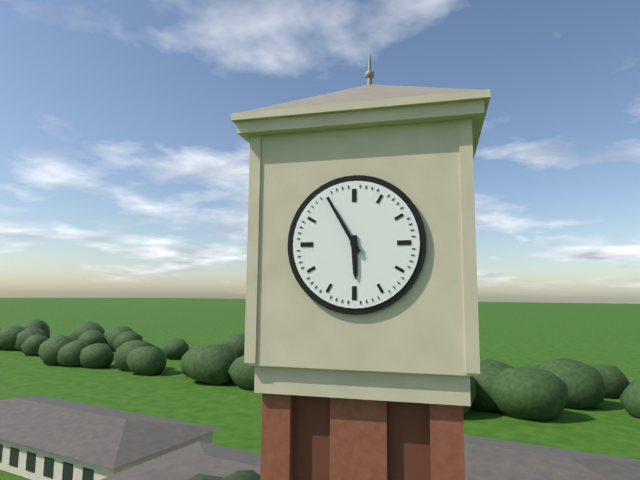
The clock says 5h55
